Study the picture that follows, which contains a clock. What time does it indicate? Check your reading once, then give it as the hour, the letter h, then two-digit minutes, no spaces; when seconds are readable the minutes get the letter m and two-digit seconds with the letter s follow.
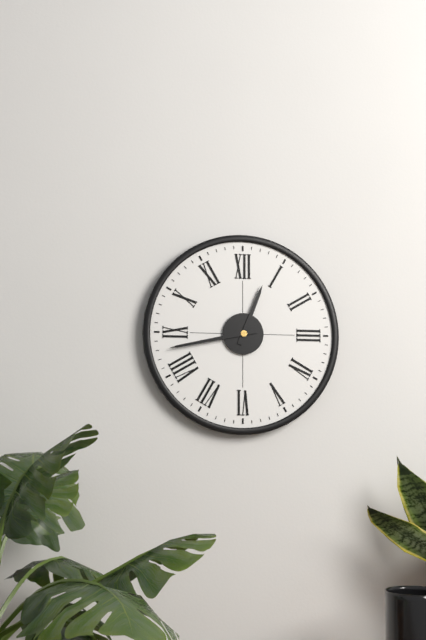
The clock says 12h43
